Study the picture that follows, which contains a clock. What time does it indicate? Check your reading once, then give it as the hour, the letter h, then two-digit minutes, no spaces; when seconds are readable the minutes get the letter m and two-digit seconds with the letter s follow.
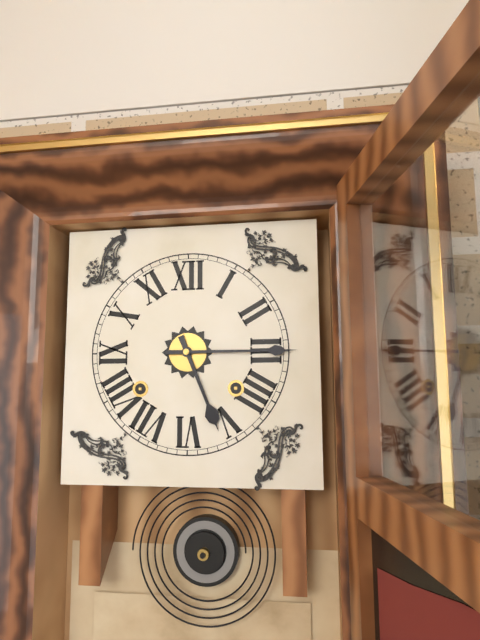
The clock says 5h15
